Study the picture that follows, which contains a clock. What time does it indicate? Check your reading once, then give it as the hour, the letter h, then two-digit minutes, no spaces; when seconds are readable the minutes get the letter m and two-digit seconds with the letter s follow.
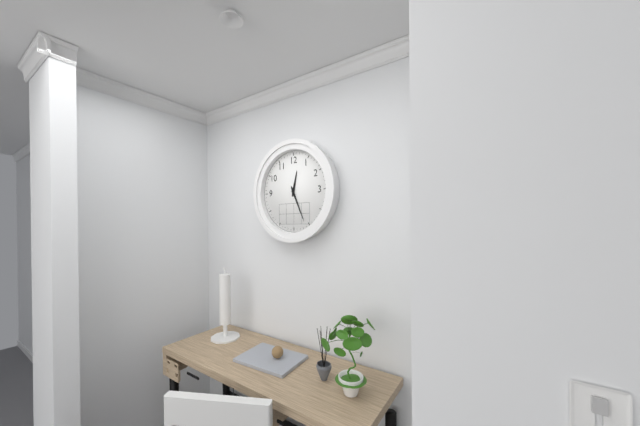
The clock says 12h26
